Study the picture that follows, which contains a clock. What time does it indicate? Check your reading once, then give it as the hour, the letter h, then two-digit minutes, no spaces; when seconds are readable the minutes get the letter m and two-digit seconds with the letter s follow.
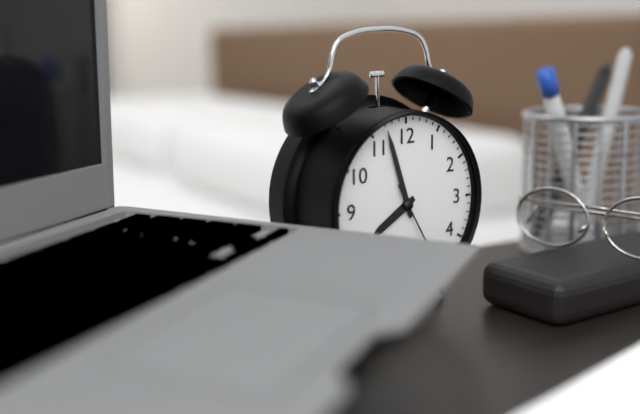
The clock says 7h57
